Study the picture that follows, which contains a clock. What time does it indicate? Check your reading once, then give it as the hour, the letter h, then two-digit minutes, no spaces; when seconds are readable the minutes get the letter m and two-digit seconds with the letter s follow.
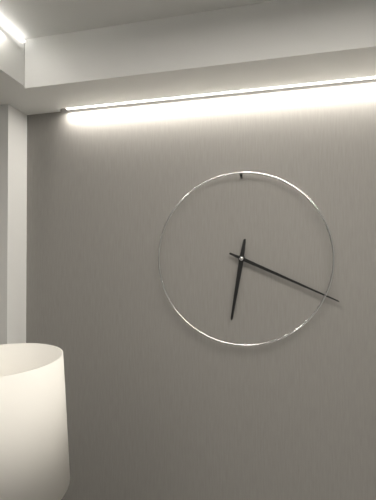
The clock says 6h19
